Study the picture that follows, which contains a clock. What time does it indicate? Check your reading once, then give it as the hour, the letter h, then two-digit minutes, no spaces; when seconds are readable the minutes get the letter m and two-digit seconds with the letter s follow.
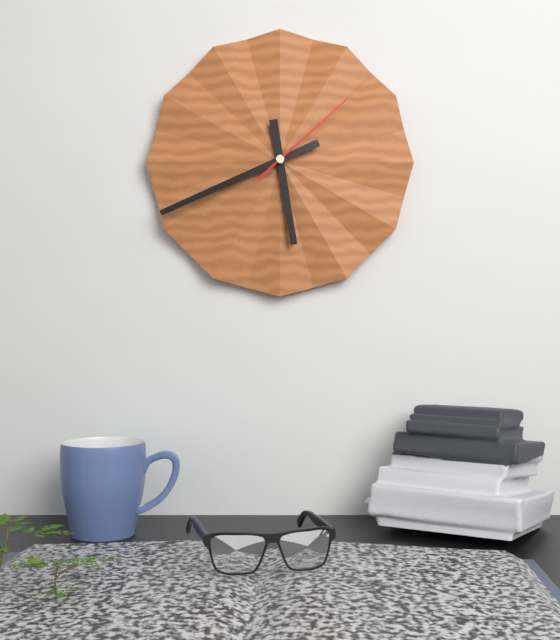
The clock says 5h41m08s
